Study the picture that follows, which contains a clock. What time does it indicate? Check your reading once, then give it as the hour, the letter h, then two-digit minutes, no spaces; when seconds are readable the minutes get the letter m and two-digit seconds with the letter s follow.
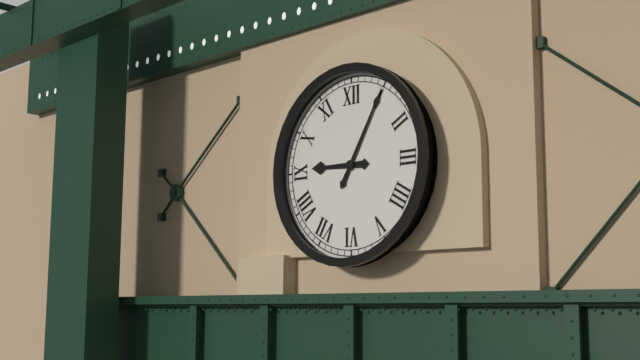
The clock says 9h05
